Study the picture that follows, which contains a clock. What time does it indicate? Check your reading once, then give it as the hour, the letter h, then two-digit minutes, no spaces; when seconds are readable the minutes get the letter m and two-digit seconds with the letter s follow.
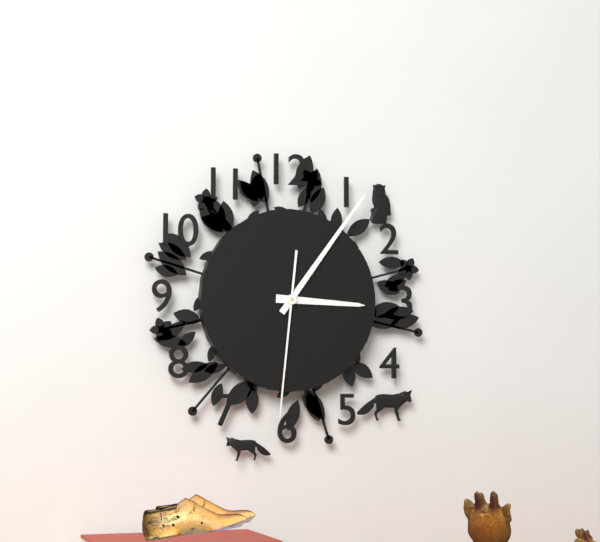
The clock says 3h06m31s
